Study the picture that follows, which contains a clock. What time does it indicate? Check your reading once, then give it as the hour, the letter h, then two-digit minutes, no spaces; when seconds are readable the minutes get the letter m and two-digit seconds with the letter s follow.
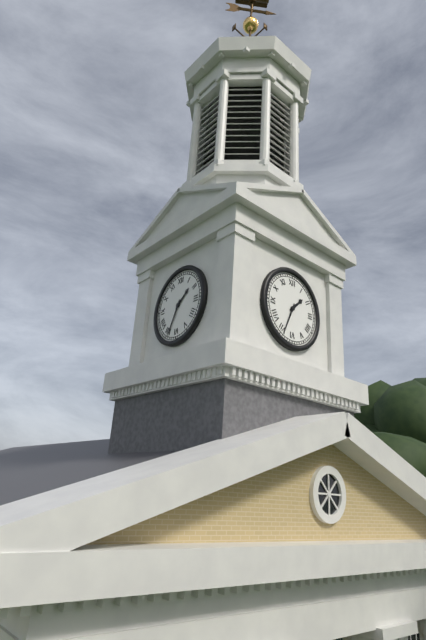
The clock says 1h34
